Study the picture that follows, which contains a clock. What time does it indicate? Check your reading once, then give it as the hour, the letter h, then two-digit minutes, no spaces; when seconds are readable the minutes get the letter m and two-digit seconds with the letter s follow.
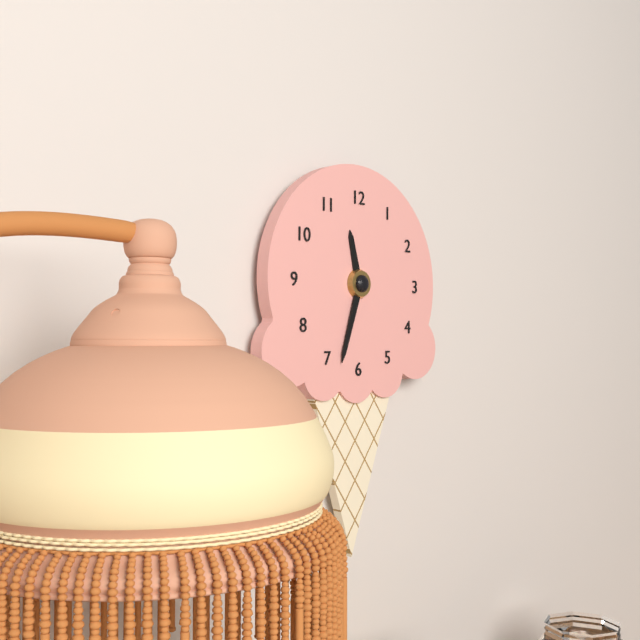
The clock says 11h33
